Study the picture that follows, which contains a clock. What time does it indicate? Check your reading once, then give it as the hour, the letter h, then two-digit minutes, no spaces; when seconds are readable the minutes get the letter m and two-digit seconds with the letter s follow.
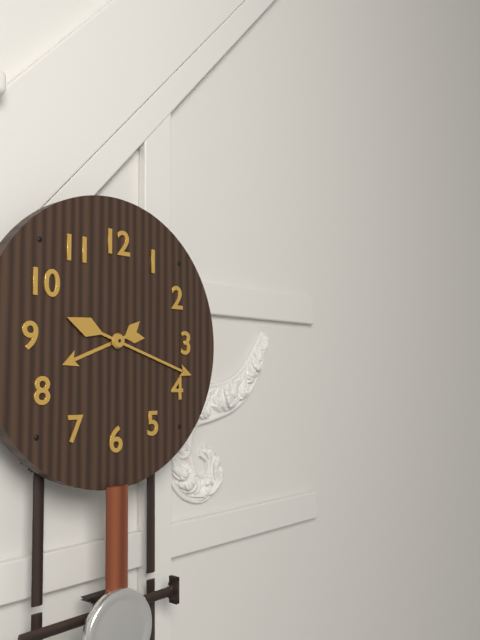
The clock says 8h18
